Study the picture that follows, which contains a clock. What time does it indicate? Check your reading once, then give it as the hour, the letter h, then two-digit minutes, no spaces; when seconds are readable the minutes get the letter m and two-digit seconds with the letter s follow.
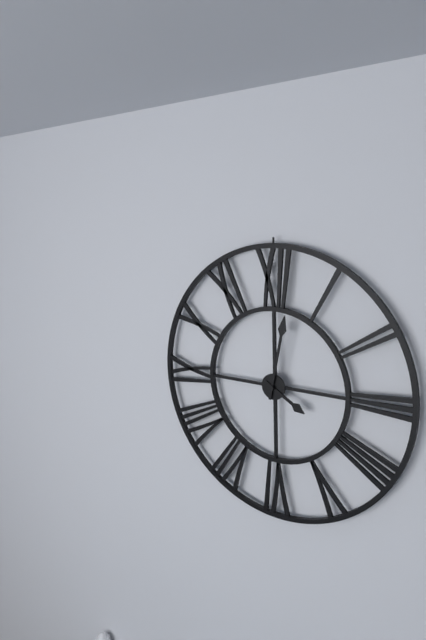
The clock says 4h02
